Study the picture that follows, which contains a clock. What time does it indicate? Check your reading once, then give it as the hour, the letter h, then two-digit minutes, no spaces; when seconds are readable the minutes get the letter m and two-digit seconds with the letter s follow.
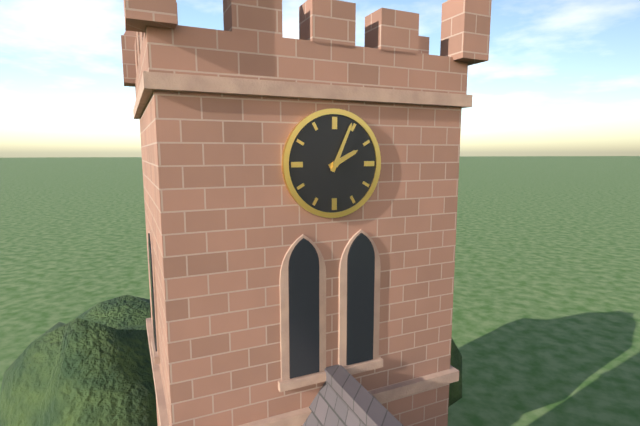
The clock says 2h04
